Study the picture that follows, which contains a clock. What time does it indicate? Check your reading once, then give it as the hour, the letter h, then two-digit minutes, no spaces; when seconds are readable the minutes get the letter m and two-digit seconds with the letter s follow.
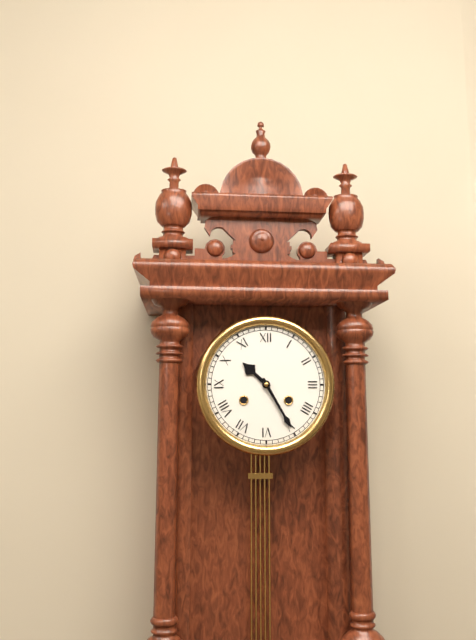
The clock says 10h25
